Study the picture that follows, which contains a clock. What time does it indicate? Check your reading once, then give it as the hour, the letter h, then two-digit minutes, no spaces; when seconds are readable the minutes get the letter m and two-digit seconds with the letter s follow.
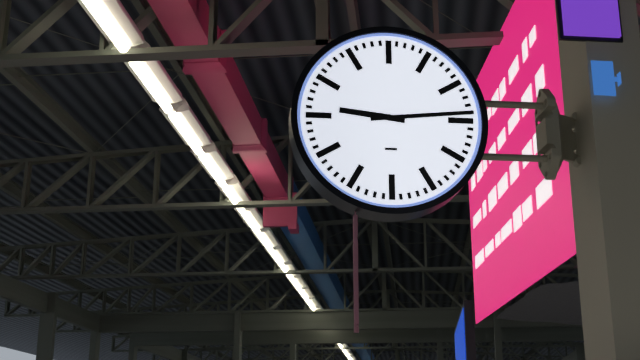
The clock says 9h14
